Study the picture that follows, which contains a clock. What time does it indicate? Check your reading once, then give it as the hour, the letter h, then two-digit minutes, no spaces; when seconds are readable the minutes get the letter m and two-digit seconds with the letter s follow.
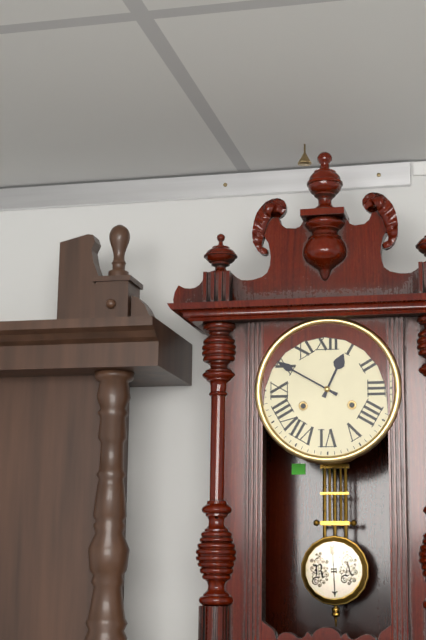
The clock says 12h50
